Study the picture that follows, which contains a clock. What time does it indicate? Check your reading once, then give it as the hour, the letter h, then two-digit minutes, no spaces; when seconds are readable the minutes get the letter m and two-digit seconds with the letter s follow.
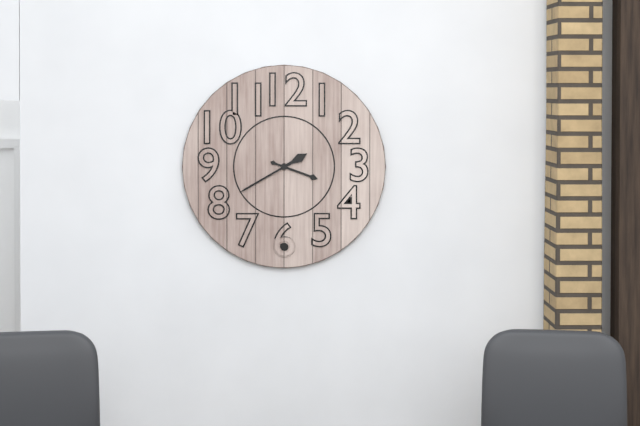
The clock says 3h40
